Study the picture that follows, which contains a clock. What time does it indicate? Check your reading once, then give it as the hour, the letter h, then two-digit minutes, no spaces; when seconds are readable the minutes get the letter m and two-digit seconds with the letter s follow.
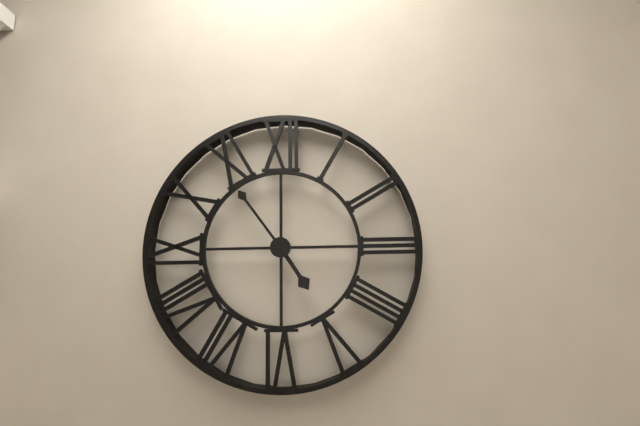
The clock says 4h54
